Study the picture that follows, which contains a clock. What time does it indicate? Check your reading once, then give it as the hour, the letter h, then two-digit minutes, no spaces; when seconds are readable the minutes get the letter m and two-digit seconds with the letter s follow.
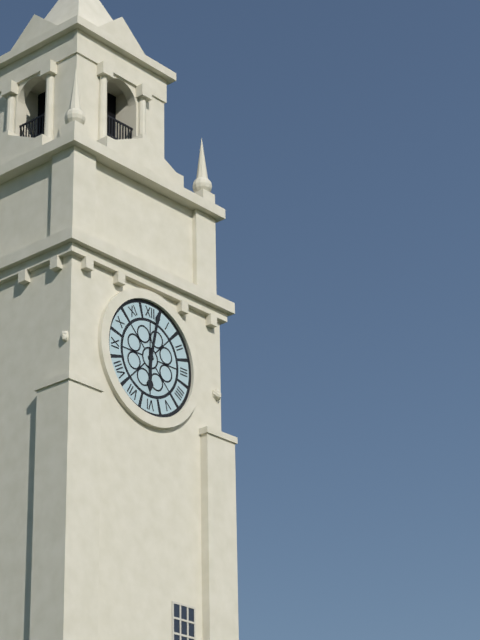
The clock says 6h02
